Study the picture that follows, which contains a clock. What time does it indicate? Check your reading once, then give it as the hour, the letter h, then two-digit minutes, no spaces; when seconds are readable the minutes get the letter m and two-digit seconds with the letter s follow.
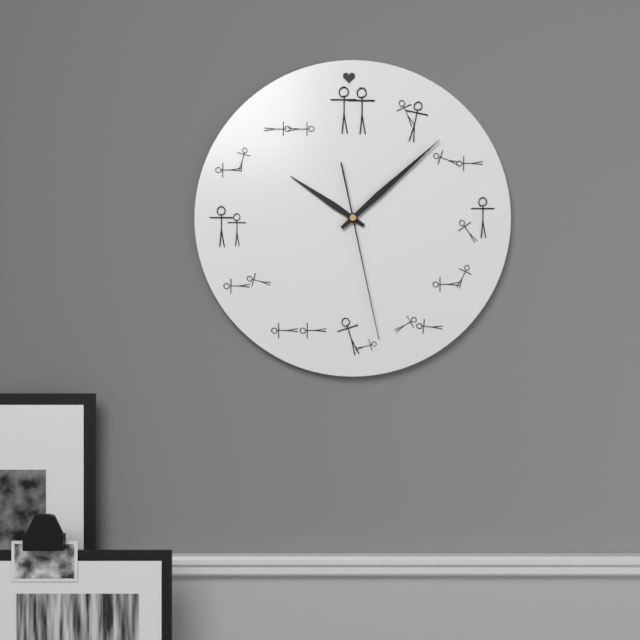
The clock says 10h08m28s
